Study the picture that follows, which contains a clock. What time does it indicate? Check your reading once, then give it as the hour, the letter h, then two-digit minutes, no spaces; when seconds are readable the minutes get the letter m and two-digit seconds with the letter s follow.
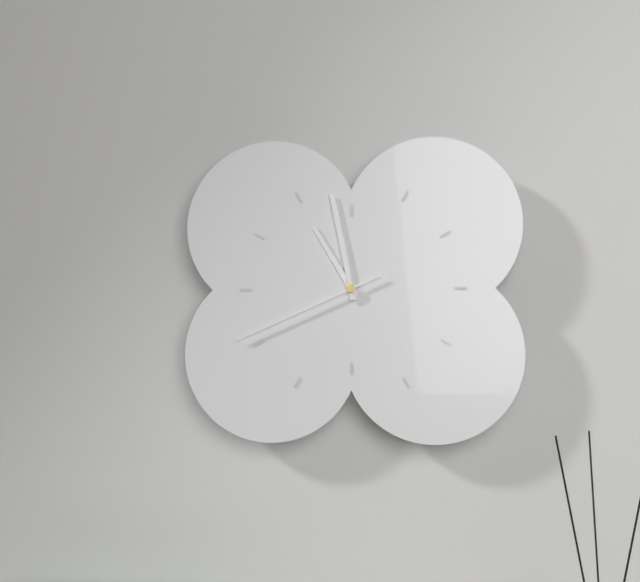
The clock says 10h58m41s
